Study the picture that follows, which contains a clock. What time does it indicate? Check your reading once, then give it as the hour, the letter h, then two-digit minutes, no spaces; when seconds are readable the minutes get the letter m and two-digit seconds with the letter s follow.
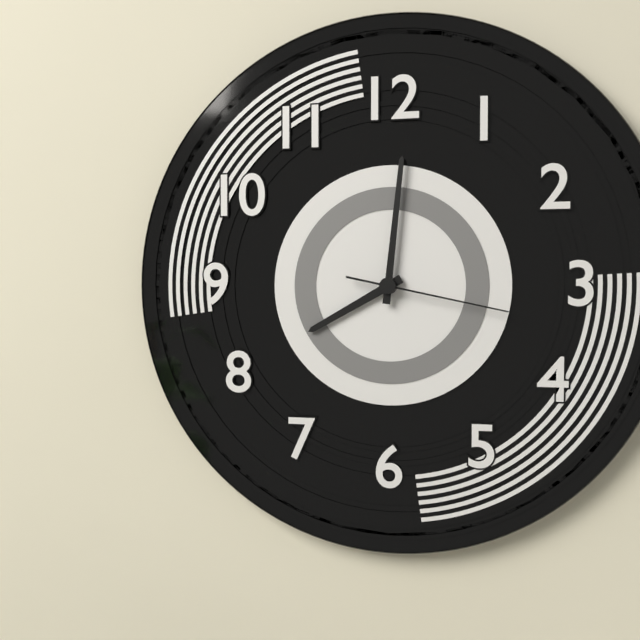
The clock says 8h01m17s
